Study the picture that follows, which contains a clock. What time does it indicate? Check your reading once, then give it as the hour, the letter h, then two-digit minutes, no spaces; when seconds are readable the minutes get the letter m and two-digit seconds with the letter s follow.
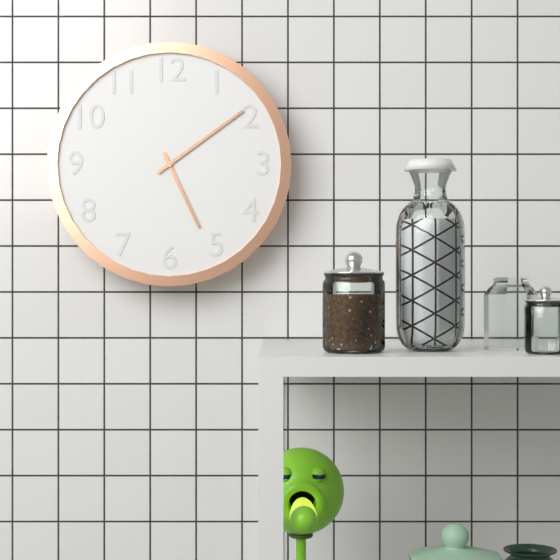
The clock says 5h09
